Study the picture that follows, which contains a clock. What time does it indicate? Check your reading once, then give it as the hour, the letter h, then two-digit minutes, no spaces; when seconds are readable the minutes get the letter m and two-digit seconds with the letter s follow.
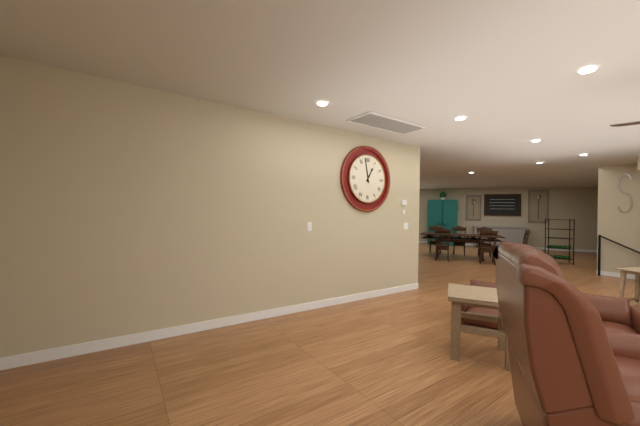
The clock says 12h58
